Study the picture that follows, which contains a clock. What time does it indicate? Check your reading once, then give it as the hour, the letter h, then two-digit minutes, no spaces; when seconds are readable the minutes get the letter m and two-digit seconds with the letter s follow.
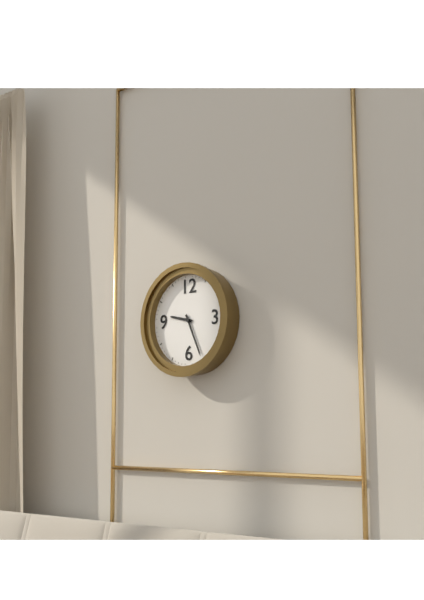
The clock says 9h26
